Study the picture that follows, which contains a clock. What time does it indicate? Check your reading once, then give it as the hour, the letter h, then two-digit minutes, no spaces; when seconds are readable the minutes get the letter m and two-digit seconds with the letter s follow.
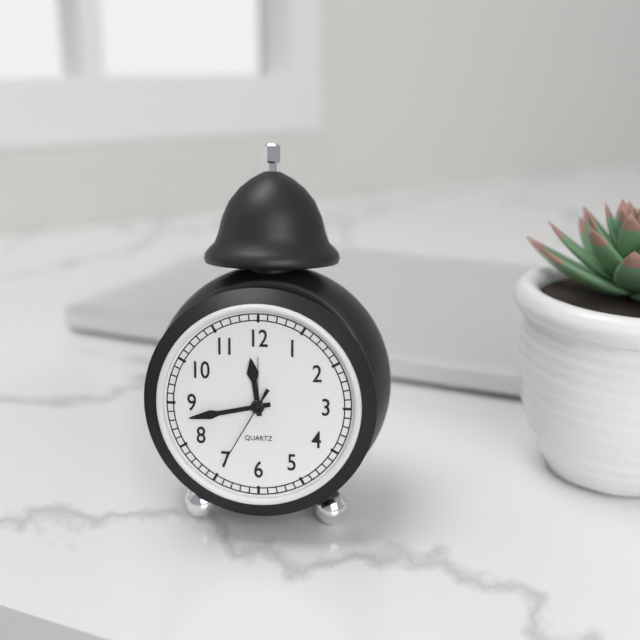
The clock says 11h43m35s
